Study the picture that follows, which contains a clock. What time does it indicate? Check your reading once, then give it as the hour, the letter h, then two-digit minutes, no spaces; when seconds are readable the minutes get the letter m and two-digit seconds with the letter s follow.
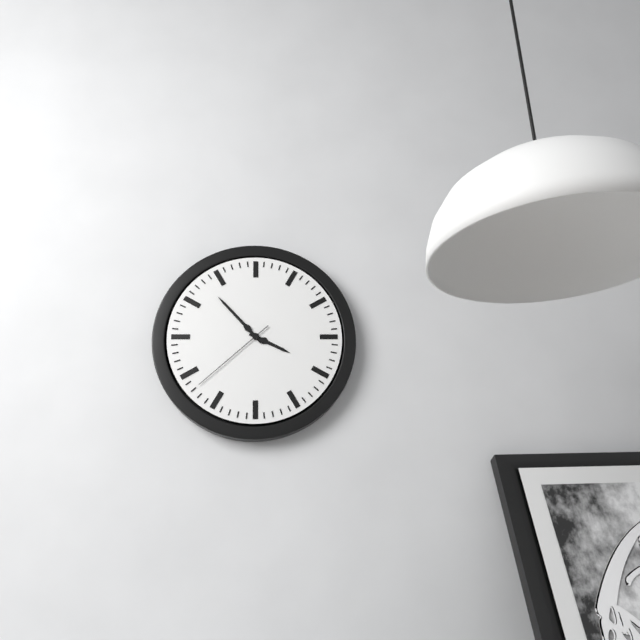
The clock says 3h53m38s
